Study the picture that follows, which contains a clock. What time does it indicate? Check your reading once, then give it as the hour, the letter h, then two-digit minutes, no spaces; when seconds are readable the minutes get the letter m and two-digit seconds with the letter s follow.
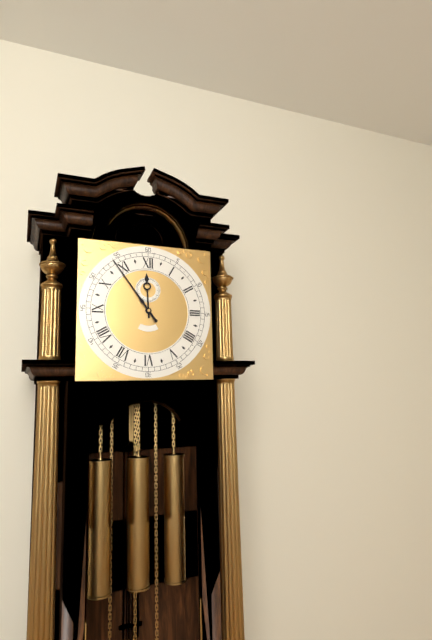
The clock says 11h54
